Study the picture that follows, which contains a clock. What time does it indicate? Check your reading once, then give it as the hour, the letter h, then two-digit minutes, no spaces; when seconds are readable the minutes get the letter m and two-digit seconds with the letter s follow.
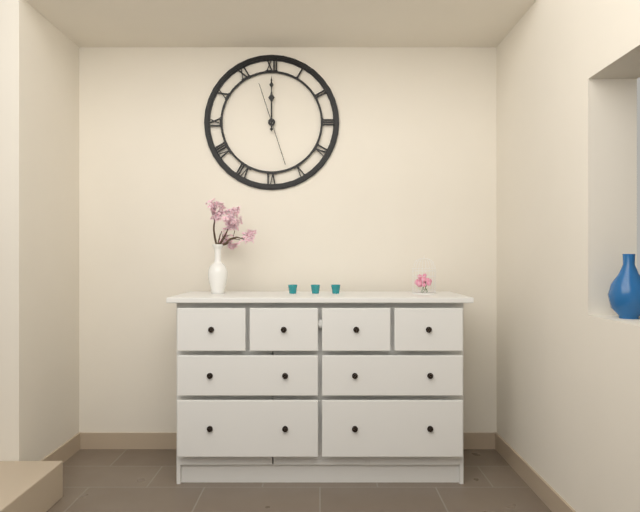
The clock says 12h00m27s
